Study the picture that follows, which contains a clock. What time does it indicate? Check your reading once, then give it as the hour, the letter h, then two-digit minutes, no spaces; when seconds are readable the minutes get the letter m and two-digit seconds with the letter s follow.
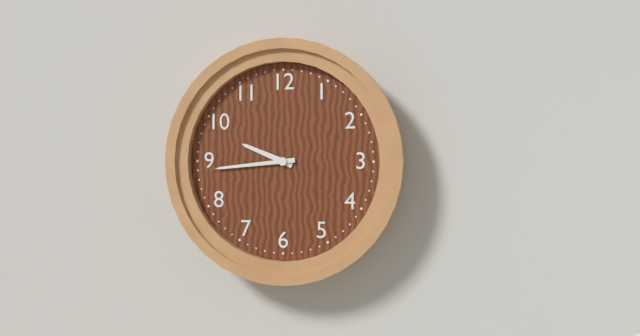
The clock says 9h44
